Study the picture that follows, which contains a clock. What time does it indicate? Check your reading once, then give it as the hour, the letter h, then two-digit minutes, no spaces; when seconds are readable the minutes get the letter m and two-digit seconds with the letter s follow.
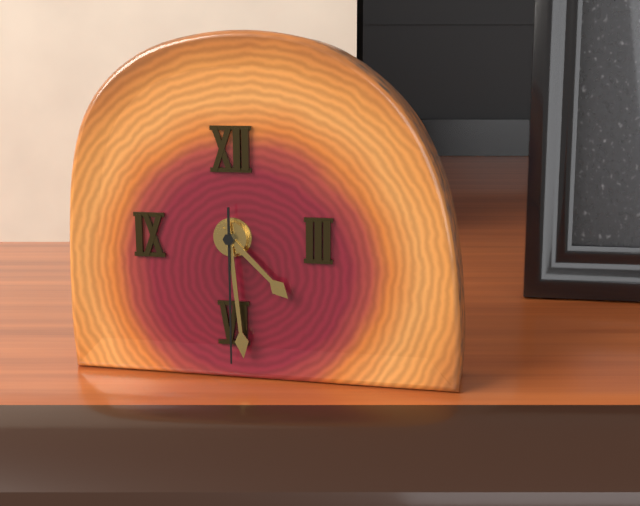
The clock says 4h29m30s
